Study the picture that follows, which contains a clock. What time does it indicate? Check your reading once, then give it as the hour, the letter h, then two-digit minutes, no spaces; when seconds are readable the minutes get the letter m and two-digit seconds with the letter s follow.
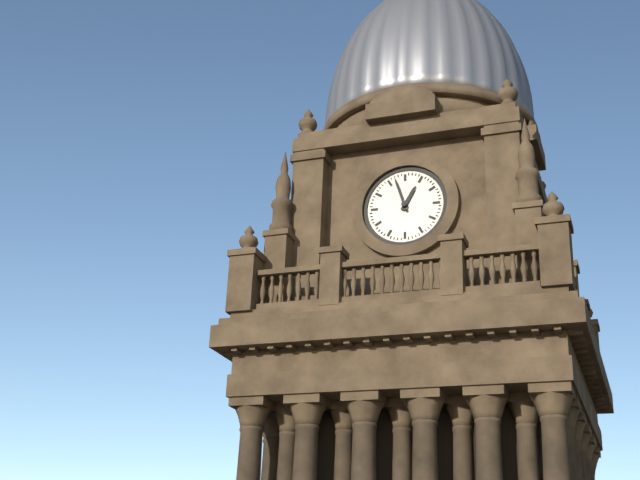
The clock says 12h57
